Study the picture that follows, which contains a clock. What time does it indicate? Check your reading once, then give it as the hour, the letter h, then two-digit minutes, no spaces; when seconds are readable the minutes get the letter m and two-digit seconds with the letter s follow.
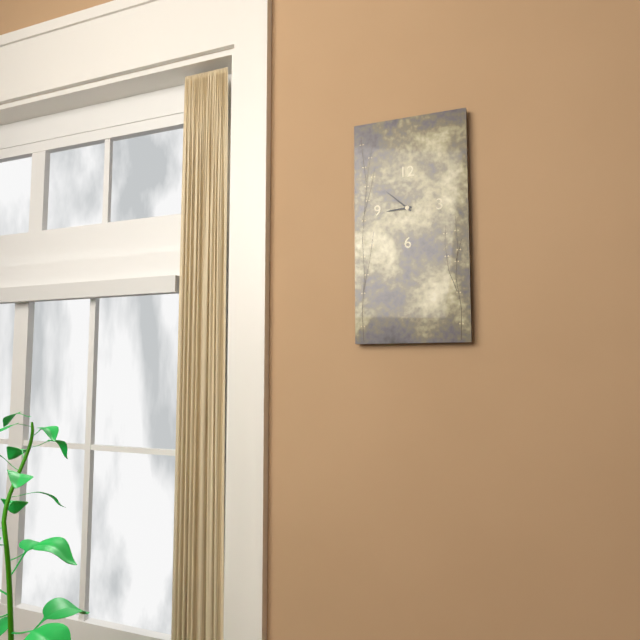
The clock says 8h52
